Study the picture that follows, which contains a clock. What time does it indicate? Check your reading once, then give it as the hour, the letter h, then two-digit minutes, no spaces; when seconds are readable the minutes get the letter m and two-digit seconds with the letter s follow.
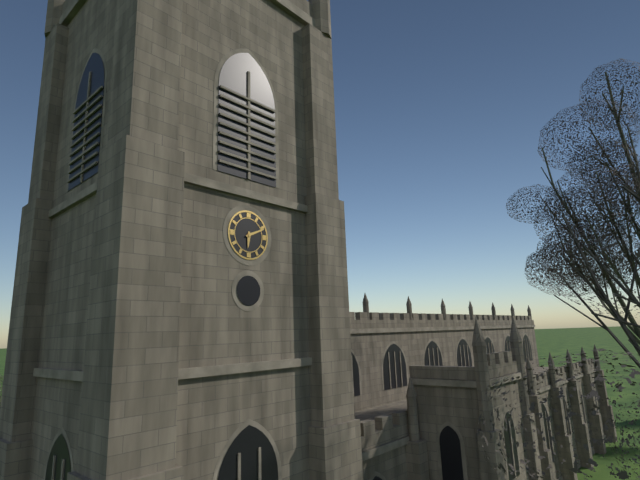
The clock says 6h11
